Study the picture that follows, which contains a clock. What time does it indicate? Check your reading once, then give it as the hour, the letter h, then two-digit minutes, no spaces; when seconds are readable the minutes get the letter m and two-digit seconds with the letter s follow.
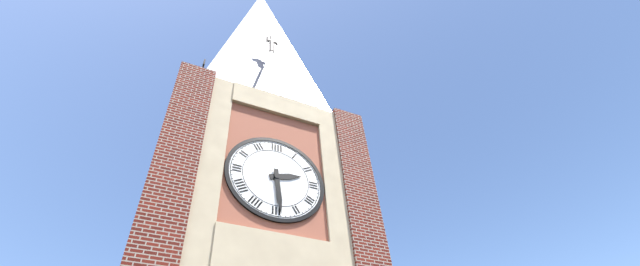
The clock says 2h29
